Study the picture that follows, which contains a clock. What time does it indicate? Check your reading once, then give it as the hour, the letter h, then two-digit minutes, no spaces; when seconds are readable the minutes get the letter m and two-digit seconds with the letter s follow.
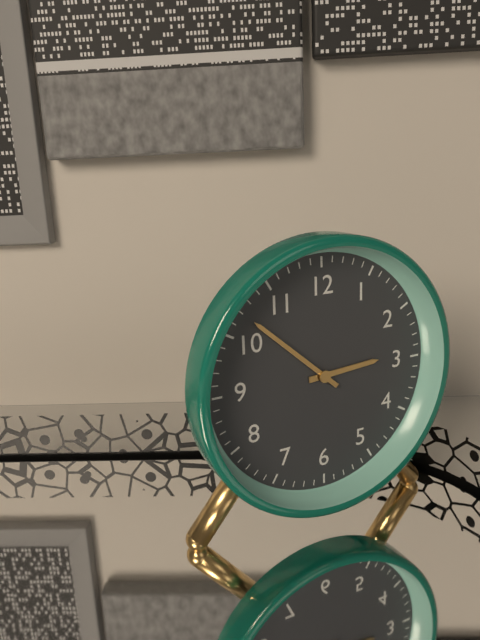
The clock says 2h52
